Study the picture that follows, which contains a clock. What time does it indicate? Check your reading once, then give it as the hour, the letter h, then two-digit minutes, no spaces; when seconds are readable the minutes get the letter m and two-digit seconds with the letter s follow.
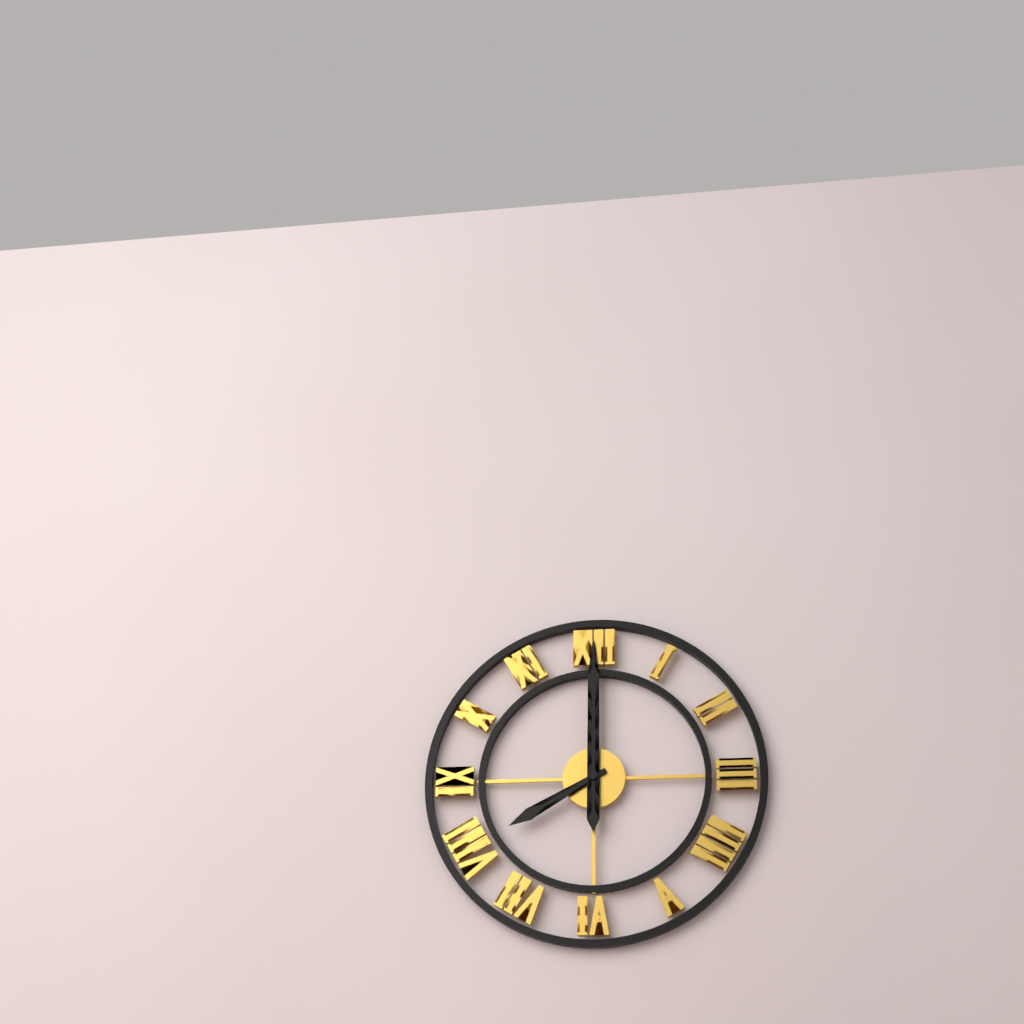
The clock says 8h00
